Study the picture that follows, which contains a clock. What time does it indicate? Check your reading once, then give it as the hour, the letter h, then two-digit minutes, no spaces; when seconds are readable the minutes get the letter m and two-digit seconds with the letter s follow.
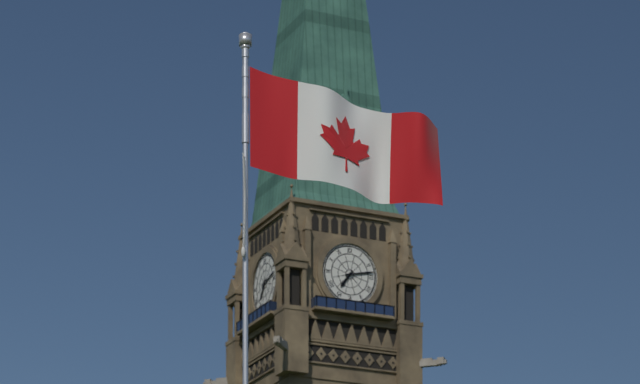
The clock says 7h13
